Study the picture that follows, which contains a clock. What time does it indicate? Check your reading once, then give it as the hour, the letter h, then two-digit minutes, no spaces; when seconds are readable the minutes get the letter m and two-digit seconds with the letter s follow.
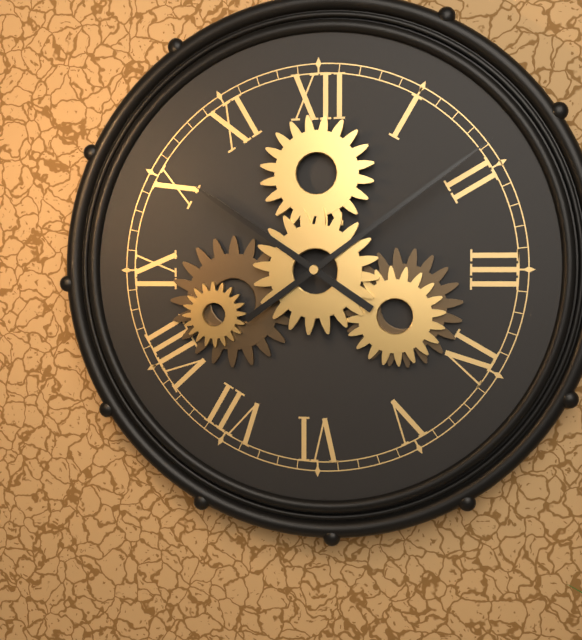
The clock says 10h09
